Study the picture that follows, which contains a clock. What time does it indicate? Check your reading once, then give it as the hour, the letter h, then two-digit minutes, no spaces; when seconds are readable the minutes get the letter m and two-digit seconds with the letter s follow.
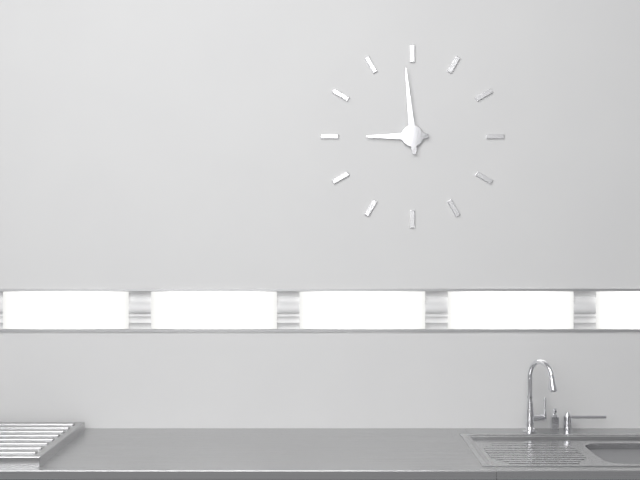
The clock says 8h59
